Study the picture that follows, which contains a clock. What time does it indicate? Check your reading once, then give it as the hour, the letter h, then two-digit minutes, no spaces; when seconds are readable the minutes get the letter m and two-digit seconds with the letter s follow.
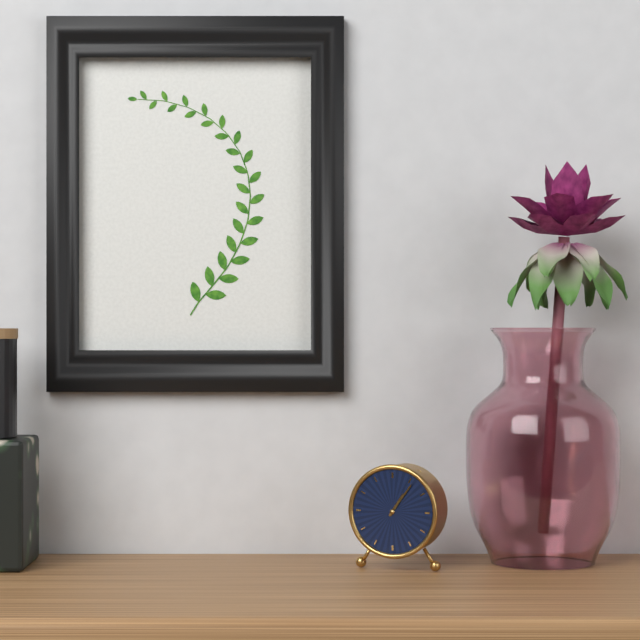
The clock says 1h06
